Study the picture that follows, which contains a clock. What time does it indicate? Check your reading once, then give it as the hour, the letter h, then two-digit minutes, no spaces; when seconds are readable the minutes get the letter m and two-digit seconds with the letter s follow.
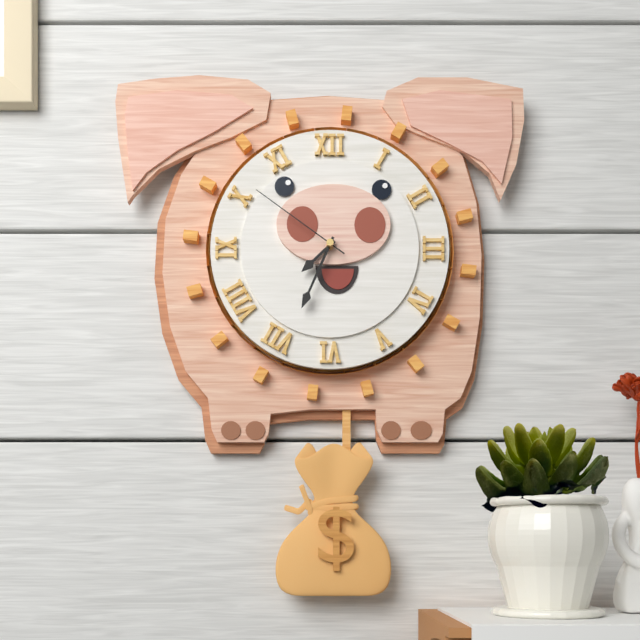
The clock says 7h34m51s
